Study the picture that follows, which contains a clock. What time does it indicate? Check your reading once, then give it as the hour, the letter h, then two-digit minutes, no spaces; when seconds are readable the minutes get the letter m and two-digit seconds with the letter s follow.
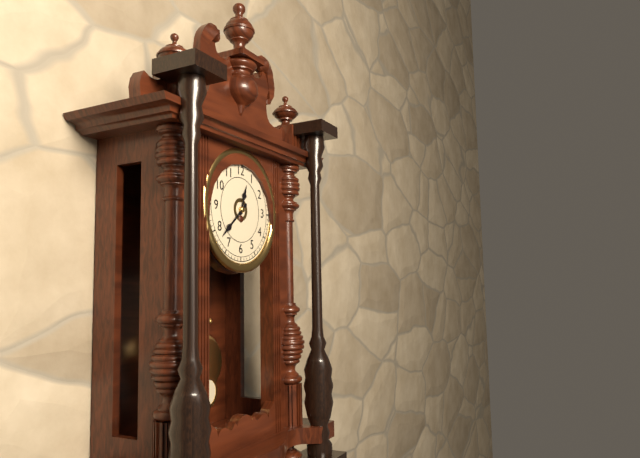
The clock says 12h38
